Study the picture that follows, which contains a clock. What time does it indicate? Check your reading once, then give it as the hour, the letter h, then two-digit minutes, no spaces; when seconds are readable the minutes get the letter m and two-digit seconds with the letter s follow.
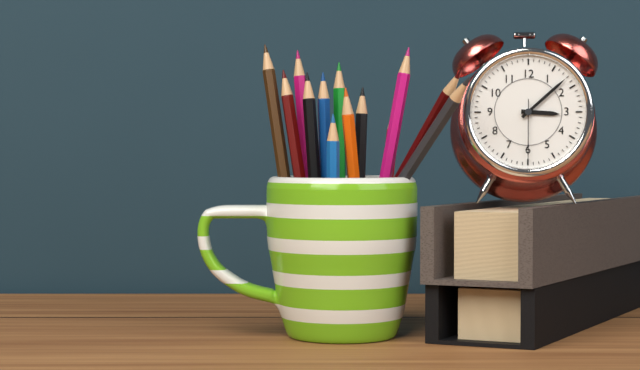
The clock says 3h08m30s
